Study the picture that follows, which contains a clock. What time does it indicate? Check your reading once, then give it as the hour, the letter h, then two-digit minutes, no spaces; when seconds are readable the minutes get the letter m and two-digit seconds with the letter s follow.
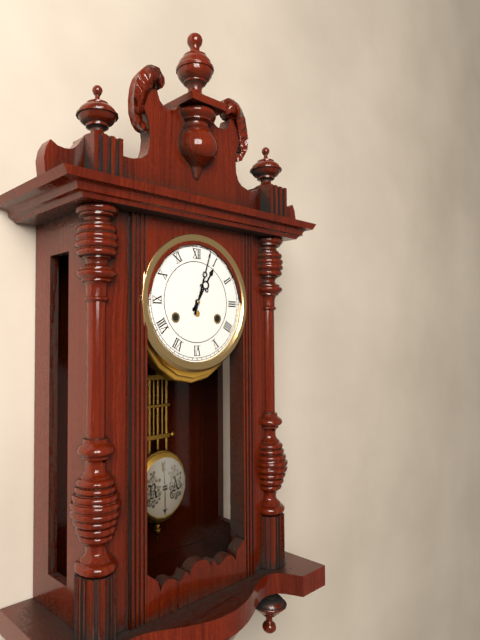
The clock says 1h03
